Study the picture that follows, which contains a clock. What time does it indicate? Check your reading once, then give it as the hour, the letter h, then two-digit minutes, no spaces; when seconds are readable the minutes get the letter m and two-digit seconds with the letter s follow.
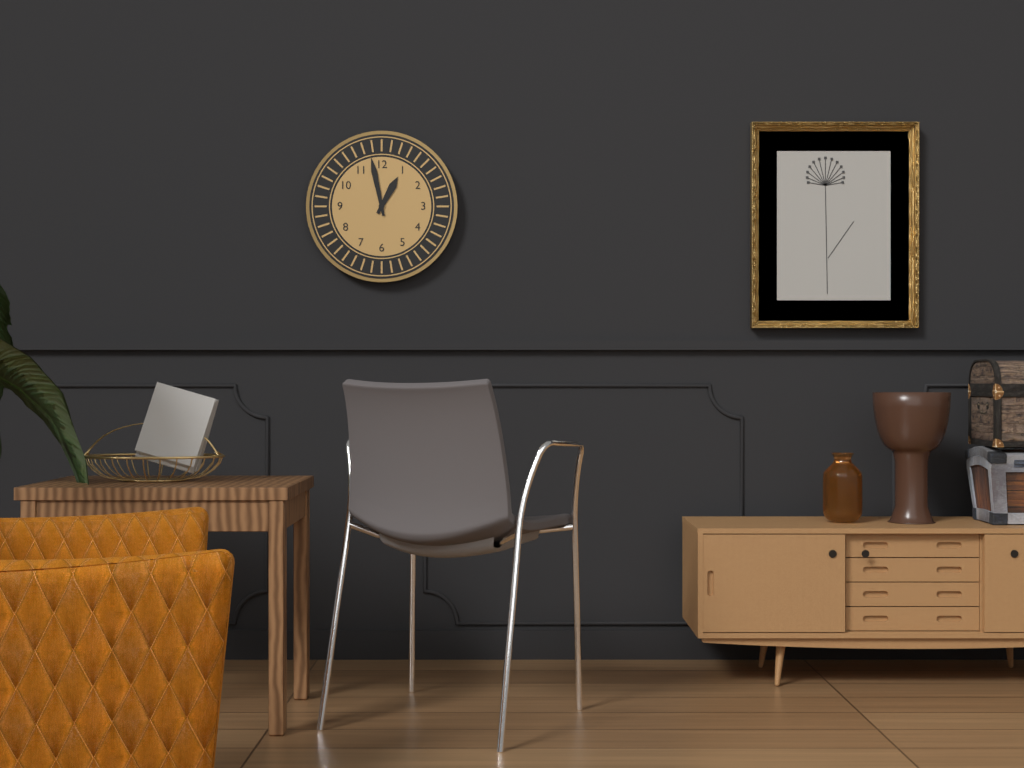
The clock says 12h58
